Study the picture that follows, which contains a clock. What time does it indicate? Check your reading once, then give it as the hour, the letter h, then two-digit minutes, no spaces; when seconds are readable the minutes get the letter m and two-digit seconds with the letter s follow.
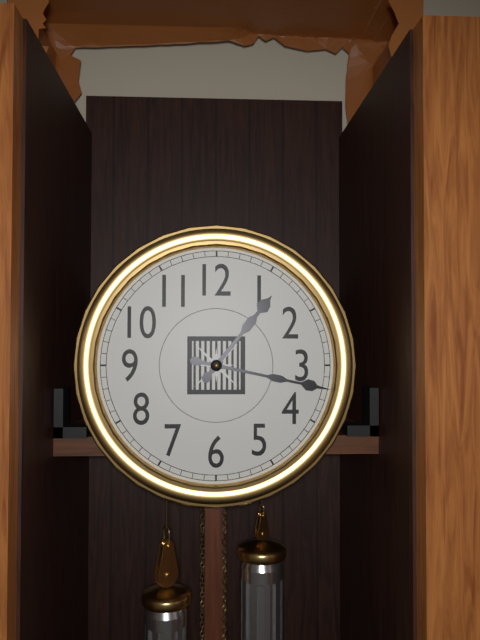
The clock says 1h17
